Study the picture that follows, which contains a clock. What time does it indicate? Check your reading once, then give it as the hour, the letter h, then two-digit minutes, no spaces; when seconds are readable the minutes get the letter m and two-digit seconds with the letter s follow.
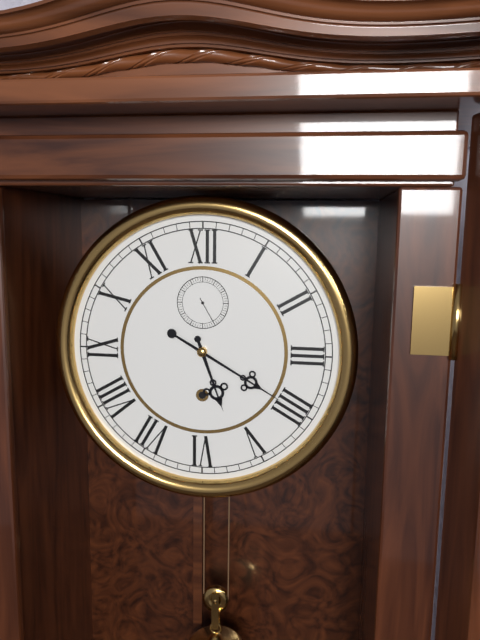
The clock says 5h20
